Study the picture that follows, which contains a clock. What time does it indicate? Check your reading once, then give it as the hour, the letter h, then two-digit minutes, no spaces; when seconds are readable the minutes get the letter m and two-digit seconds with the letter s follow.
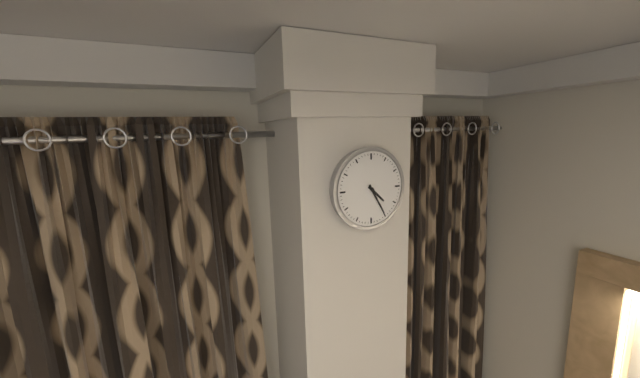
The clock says 4h25
